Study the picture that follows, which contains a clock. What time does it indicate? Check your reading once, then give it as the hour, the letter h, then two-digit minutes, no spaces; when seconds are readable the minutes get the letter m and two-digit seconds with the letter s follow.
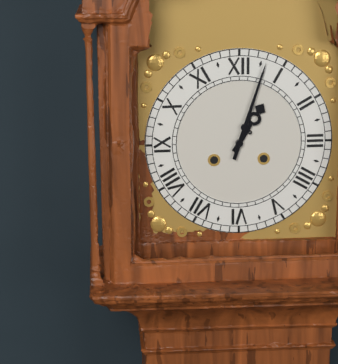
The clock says 1h03
